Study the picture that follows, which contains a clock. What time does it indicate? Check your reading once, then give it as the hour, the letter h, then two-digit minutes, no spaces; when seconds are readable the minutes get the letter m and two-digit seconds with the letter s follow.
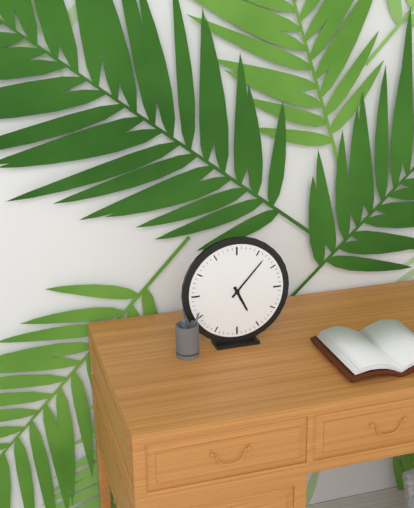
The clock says 5h07
